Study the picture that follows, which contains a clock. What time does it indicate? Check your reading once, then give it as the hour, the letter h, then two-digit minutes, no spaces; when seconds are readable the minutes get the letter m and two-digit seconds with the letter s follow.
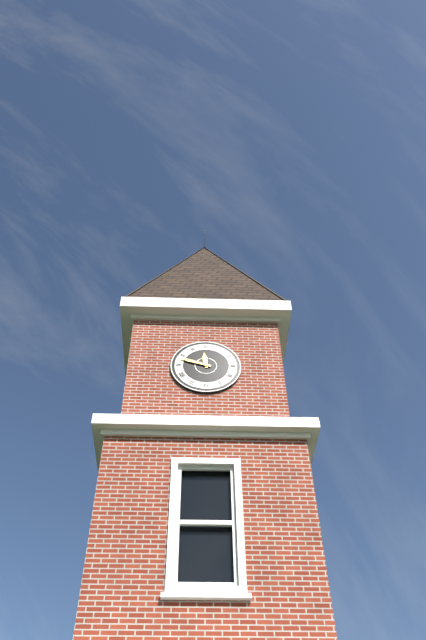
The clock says 11h48
